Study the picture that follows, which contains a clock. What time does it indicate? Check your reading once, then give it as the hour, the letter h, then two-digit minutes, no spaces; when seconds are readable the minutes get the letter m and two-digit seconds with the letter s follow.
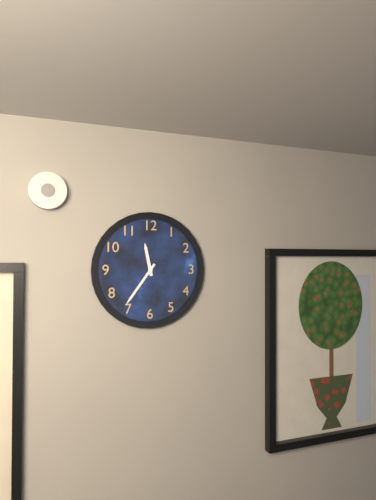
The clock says 11h36
